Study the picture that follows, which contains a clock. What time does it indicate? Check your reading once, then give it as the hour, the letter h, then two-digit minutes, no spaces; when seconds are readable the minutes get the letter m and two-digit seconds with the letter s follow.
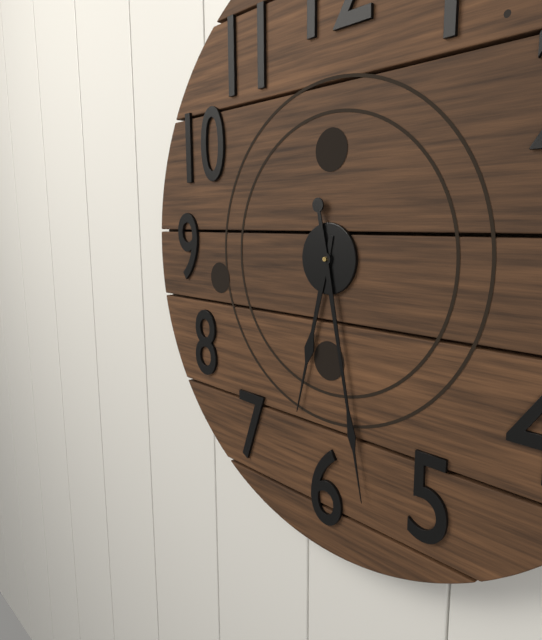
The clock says 6h28
